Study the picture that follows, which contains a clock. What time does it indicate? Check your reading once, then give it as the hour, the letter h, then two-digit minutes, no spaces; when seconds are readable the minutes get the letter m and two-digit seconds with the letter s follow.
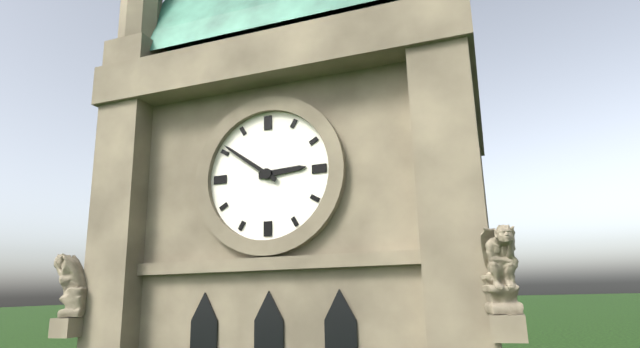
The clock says 2h51
